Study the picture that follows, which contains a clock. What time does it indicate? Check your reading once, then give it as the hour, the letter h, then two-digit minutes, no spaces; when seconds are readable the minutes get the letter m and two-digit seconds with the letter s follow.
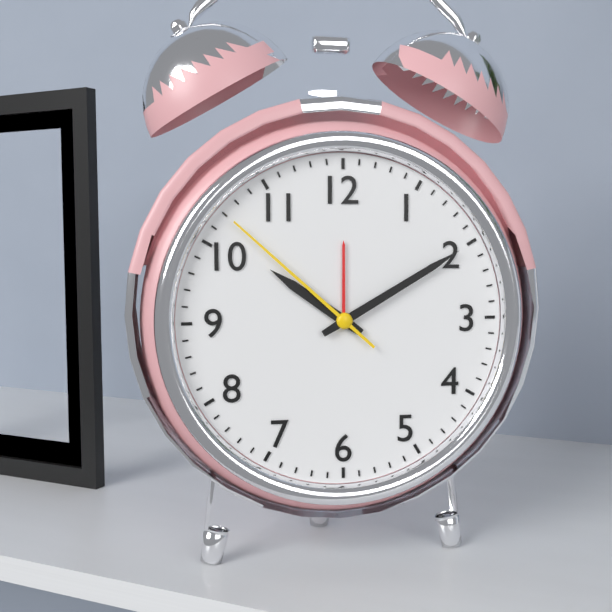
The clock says 10h10m52s
